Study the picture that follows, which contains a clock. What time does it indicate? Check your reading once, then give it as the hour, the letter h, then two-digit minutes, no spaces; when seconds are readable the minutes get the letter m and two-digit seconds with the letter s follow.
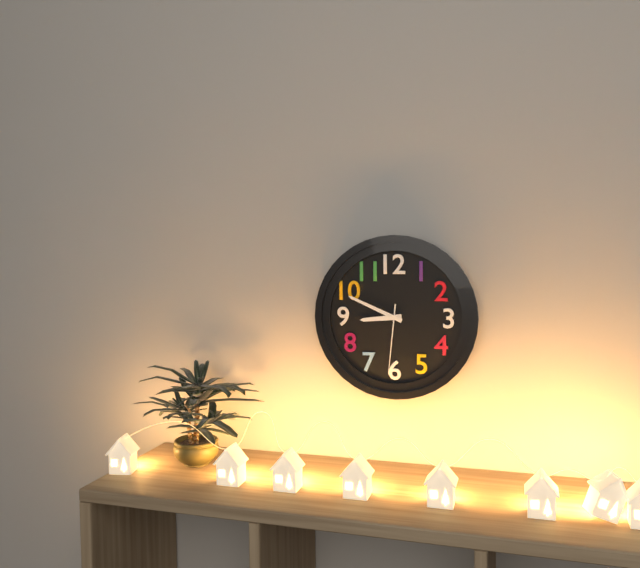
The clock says 8h49m31s
